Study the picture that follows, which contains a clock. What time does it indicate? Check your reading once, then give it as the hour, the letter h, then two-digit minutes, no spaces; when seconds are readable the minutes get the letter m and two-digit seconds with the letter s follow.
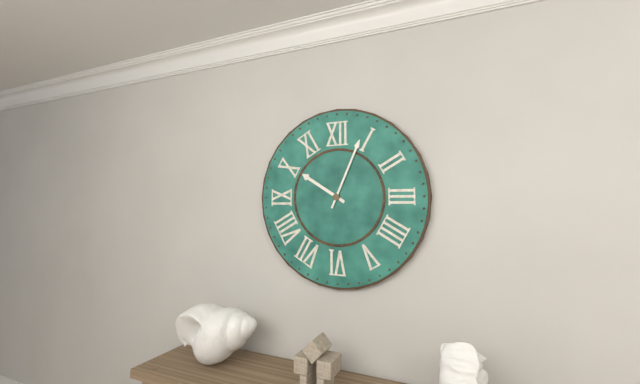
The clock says 10h04
